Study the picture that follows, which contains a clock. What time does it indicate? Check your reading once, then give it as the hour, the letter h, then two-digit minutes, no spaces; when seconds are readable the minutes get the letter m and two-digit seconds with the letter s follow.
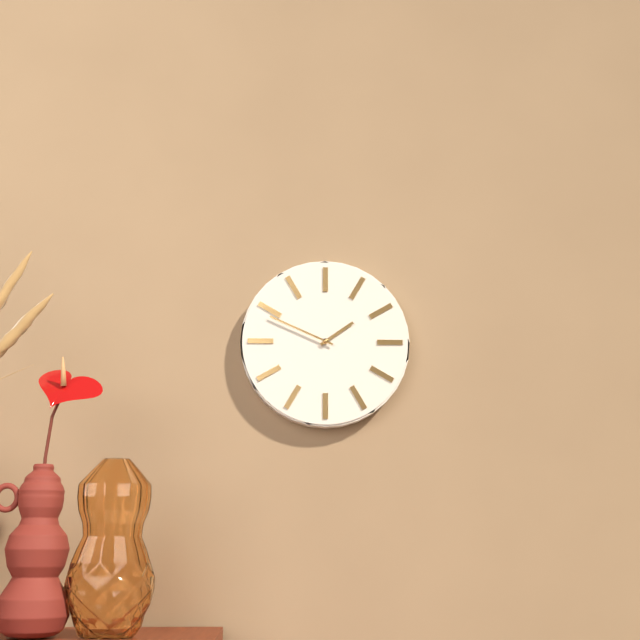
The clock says 1h49
